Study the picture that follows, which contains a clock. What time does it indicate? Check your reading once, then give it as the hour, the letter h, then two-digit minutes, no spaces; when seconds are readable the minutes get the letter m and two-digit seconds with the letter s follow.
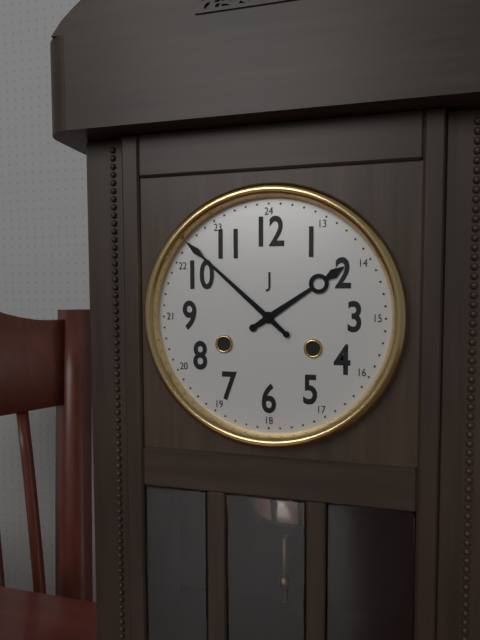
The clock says 1h52
